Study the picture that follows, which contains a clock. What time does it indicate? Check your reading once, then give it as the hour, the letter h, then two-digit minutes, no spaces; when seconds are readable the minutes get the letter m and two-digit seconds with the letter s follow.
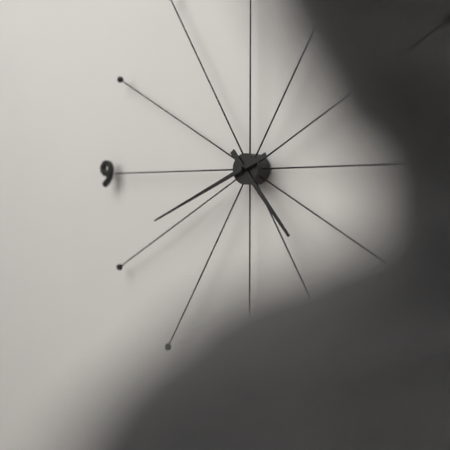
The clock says 4h41
